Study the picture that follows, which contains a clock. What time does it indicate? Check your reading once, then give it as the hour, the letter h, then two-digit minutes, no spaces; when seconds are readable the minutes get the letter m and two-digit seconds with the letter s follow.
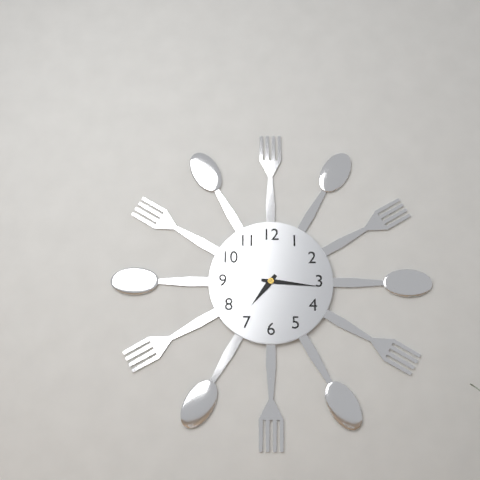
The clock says 7h16
